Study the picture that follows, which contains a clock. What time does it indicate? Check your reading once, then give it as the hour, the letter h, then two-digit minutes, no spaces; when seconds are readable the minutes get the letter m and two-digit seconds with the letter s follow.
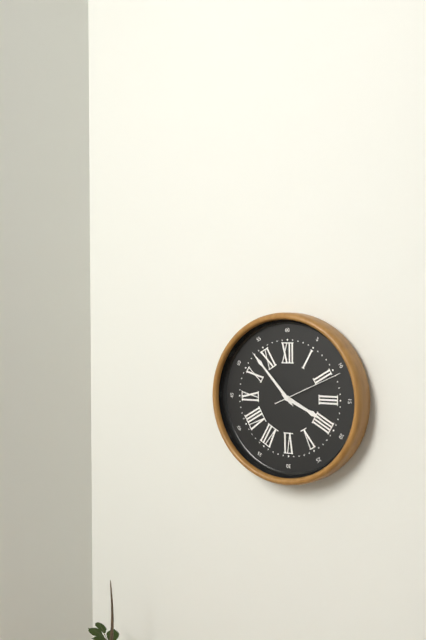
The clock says 3h53m11s
